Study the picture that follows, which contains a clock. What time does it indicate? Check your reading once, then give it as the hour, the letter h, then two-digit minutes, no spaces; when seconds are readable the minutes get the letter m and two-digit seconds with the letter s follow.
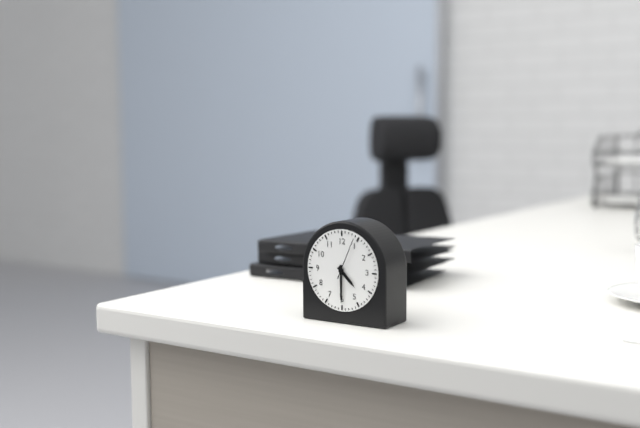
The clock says 4h30
